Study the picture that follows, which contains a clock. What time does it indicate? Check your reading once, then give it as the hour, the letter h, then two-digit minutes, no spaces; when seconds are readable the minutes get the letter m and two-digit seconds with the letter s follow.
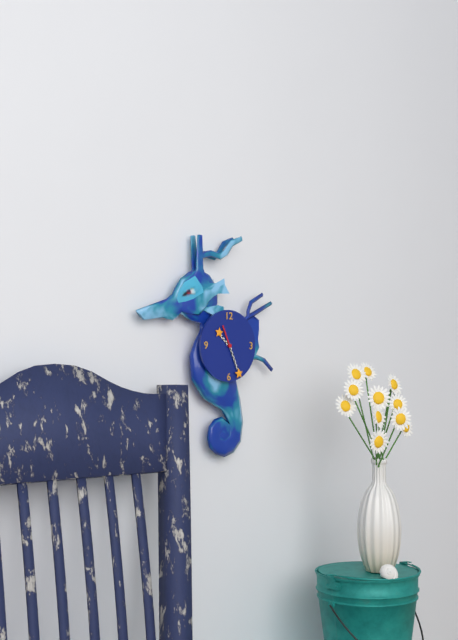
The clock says 10h26
